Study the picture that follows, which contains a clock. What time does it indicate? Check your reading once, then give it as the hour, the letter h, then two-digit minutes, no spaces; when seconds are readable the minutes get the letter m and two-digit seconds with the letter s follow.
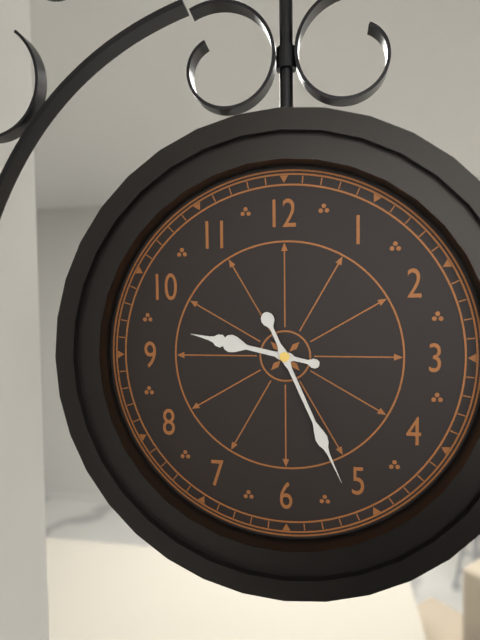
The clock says 9h26
